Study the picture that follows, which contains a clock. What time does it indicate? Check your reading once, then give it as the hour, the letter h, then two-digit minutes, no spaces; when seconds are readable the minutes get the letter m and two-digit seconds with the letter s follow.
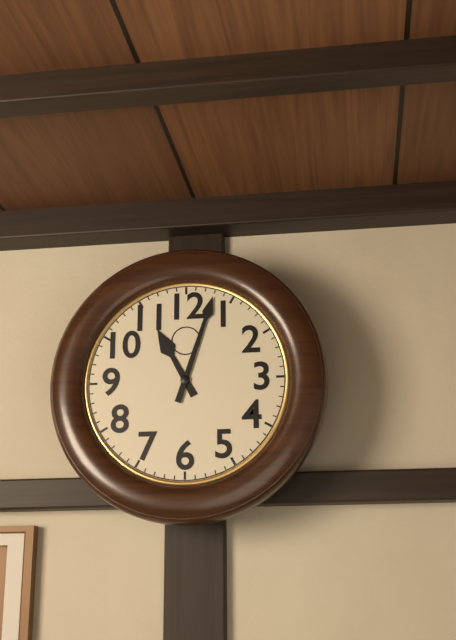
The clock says 11h03
